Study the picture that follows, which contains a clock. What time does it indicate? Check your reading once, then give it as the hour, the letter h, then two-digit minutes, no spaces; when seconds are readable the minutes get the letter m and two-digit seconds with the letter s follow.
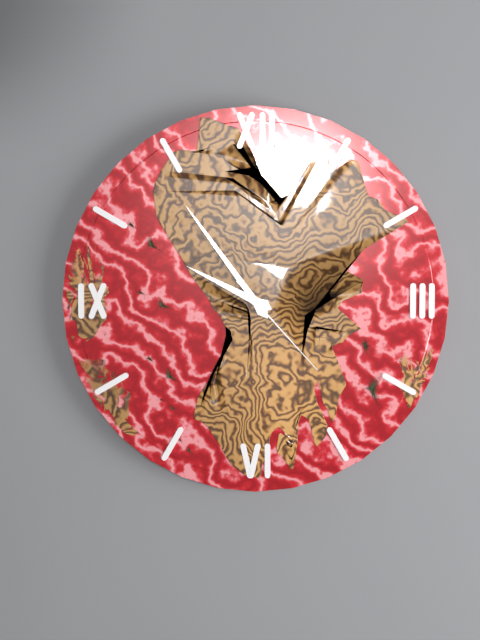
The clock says 9h54m23s
